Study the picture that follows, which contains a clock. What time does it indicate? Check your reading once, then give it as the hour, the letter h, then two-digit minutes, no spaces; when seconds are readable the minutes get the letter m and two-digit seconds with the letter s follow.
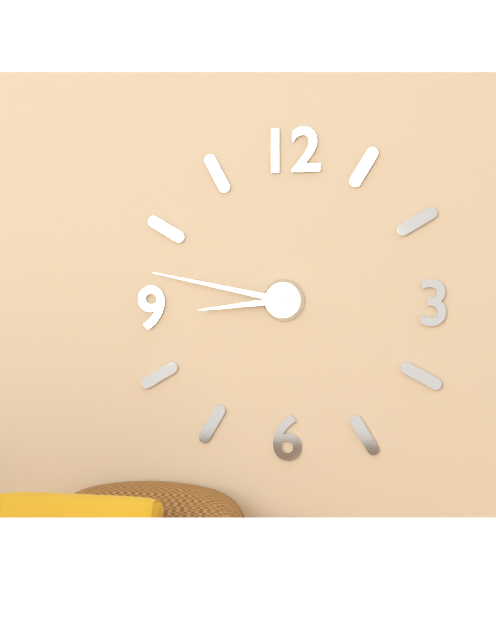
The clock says 8h47
